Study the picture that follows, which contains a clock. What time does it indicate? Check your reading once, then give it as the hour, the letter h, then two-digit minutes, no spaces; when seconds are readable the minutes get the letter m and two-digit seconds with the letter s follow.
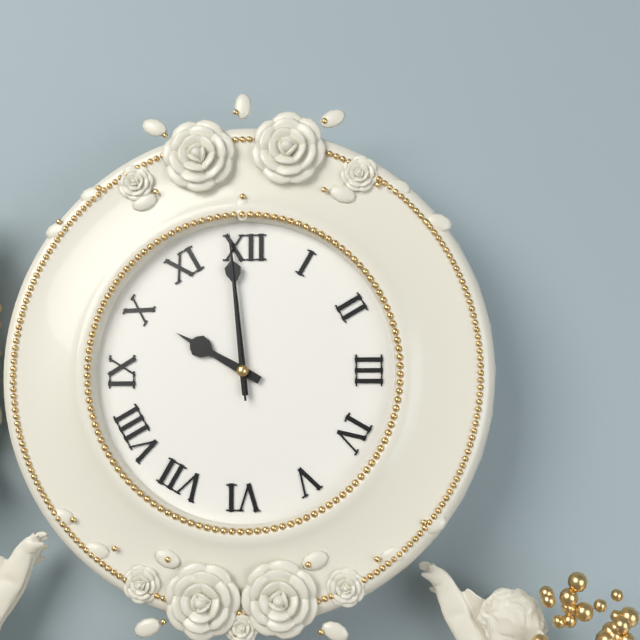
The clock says 9h59m59s
